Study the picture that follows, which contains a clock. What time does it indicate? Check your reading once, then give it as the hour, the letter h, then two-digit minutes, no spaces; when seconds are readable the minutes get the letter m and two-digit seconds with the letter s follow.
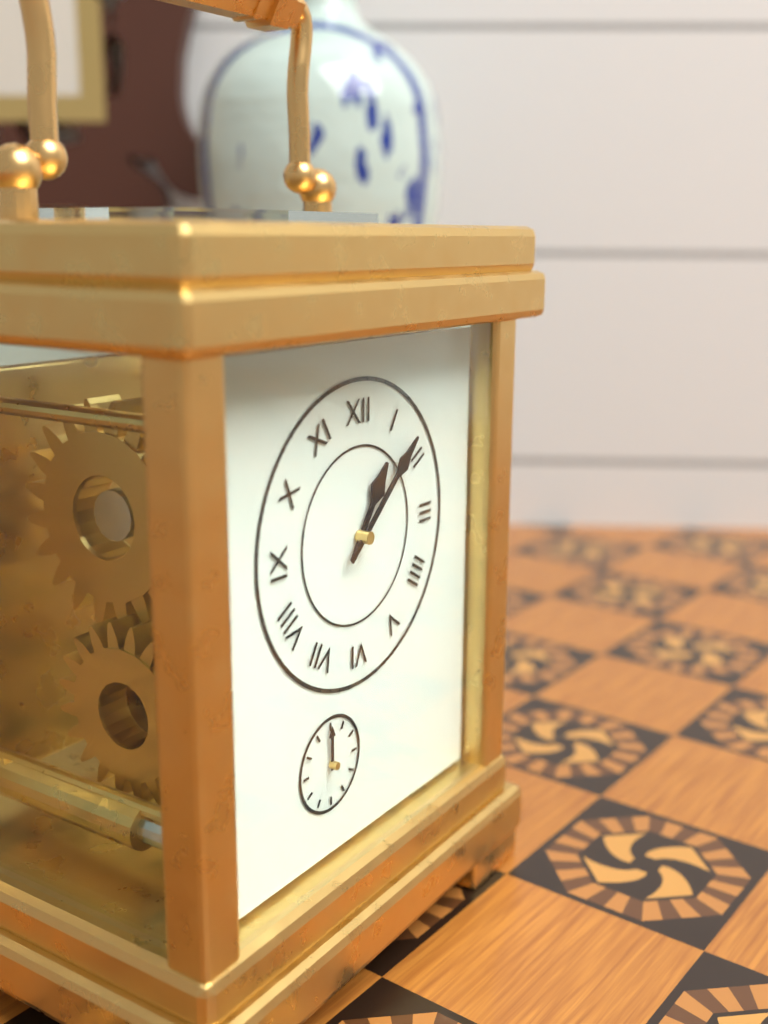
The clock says 1h08
